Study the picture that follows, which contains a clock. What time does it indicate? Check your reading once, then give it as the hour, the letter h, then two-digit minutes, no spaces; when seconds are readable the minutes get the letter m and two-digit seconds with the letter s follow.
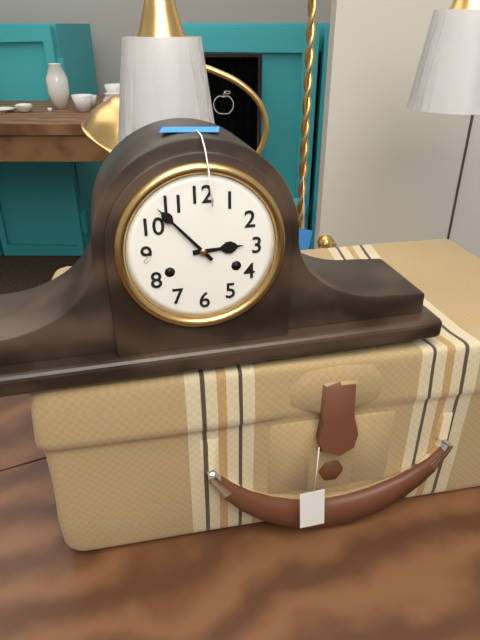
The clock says 2h53
